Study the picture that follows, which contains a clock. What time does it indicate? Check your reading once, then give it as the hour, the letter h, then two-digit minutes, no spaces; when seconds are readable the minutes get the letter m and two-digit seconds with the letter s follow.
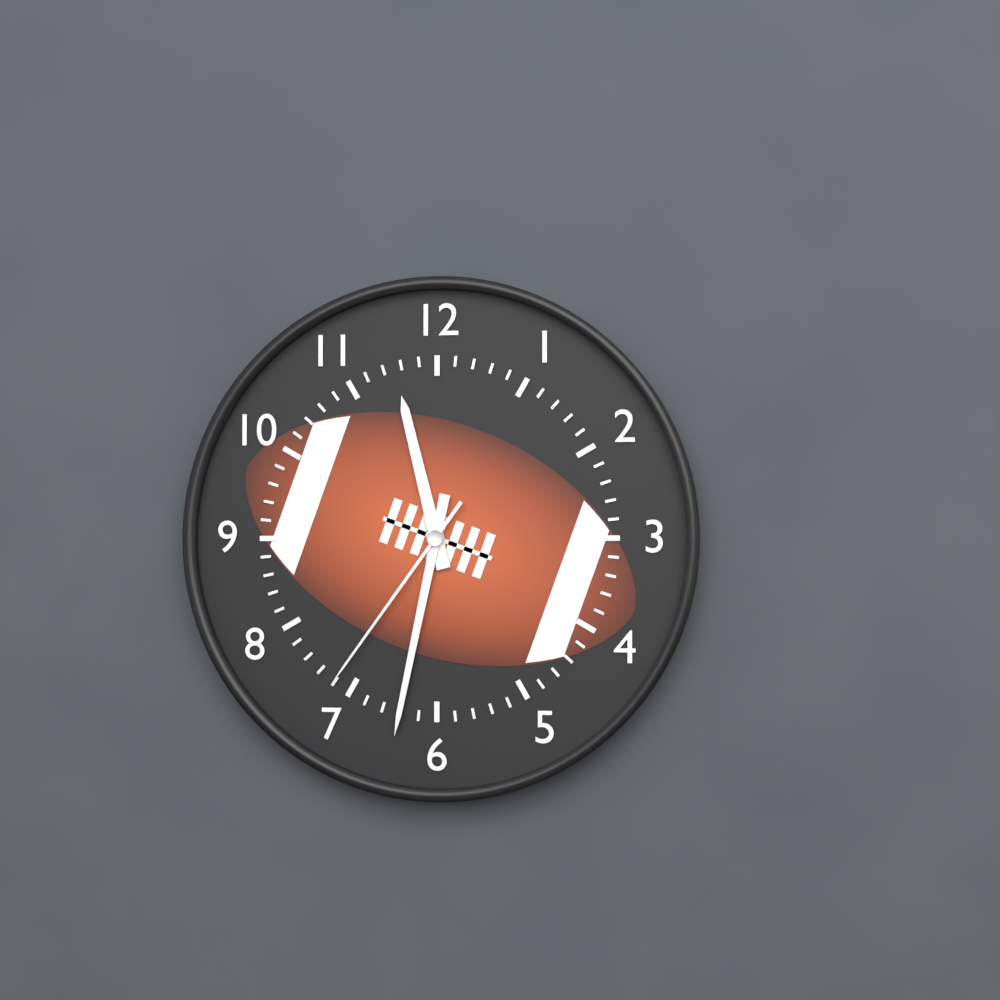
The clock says 11h32m36s
